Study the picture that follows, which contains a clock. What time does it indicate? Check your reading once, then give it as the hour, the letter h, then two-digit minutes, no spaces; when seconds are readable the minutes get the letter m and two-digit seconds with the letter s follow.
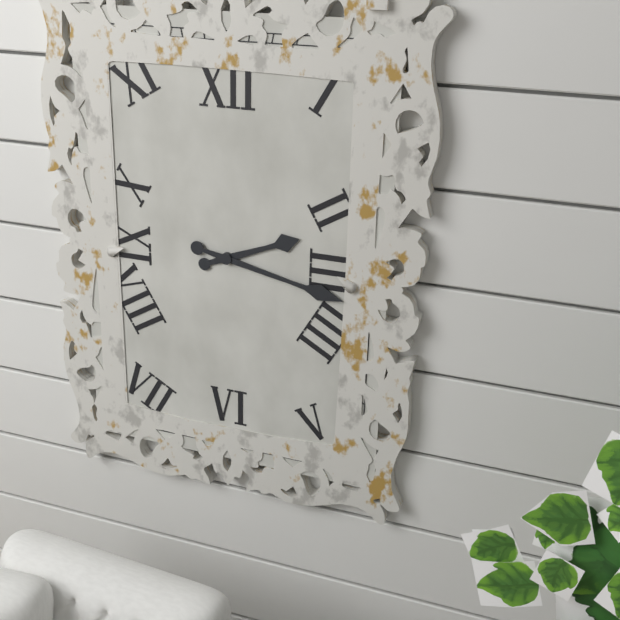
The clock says 2h17
